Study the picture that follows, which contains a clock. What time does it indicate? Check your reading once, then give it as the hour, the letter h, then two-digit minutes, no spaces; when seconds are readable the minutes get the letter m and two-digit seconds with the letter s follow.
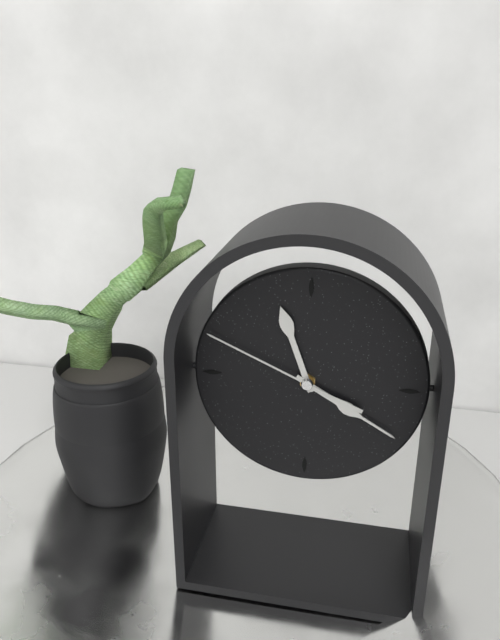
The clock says 11h20m49s
